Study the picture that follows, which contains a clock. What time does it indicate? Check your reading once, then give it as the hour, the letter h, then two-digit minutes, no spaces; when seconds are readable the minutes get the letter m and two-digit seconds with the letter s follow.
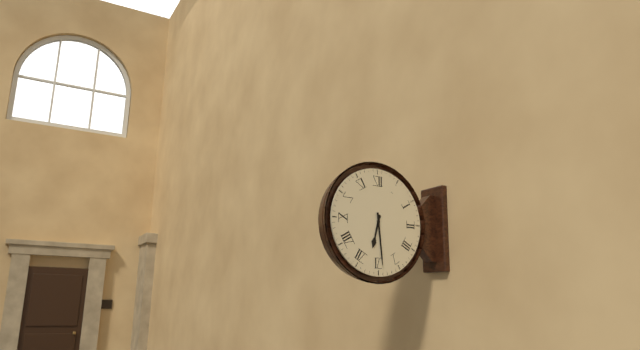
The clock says 6h29
